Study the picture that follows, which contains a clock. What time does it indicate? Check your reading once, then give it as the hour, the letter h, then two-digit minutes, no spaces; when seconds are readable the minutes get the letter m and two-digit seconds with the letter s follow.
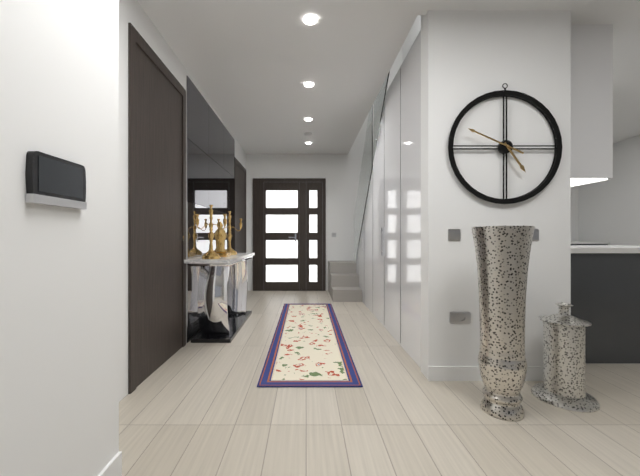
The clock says 4h49
